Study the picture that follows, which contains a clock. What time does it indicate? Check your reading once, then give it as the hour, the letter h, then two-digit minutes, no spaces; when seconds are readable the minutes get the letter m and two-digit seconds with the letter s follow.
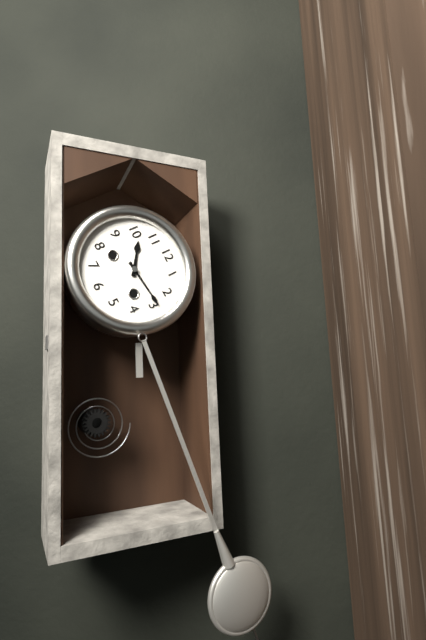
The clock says 10h14
